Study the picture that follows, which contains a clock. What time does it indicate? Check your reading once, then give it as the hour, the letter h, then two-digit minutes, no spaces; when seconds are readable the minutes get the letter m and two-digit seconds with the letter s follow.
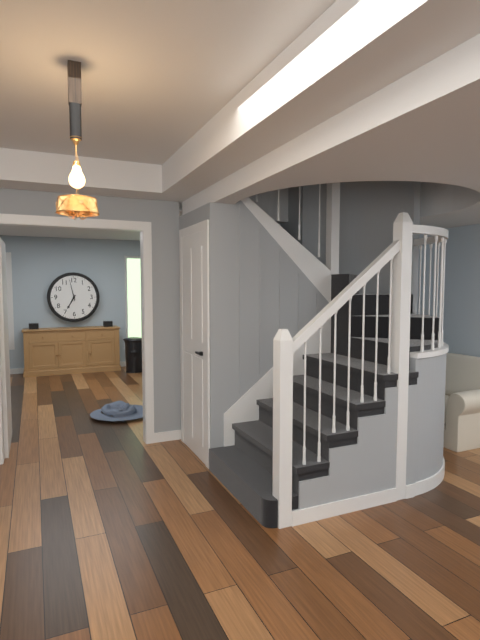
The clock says 6h58
